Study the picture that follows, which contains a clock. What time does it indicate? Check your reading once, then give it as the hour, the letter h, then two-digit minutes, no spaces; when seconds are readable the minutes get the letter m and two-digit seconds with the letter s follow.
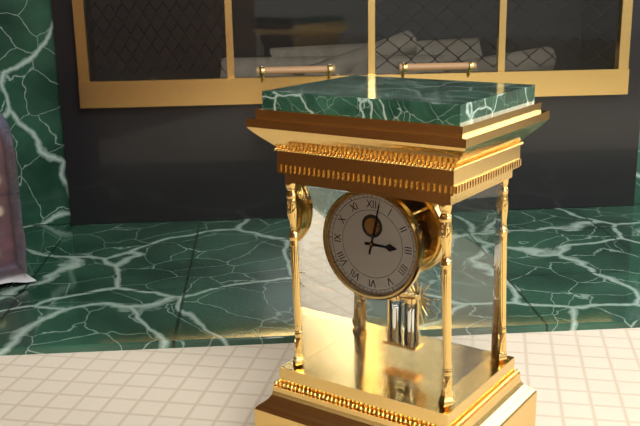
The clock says 3h02
